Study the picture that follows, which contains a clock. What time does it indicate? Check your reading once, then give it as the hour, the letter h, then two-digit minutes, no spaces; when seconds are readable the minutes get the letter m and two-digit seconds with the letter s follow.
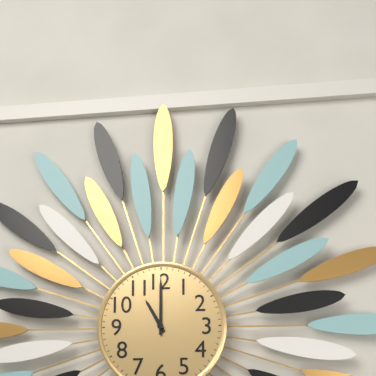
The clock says 11h00
